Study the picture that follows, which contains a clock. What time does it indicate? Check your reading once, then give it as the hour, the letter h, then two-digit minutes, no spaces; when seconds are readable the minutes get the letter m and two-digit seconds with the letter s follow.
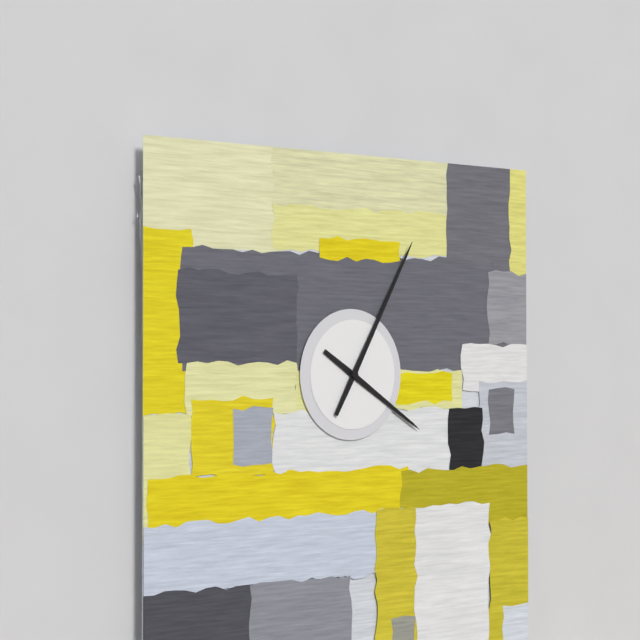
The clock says 4h05
